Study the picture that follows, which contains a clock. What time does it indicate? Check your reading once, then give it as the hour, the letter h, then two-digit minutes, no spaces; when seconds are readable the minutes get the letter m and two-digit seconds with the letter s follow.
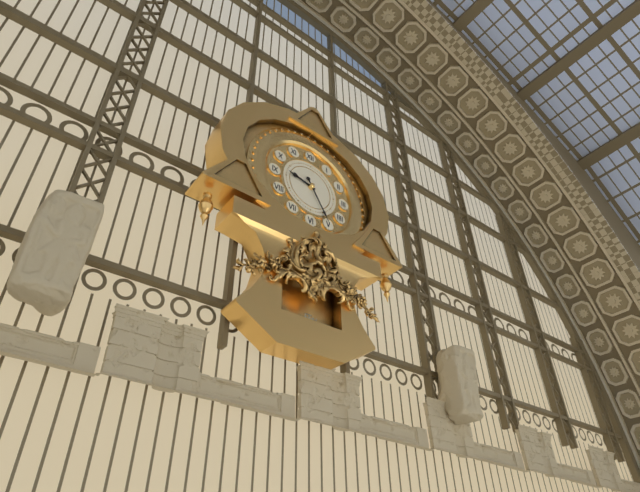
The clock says 9h25
